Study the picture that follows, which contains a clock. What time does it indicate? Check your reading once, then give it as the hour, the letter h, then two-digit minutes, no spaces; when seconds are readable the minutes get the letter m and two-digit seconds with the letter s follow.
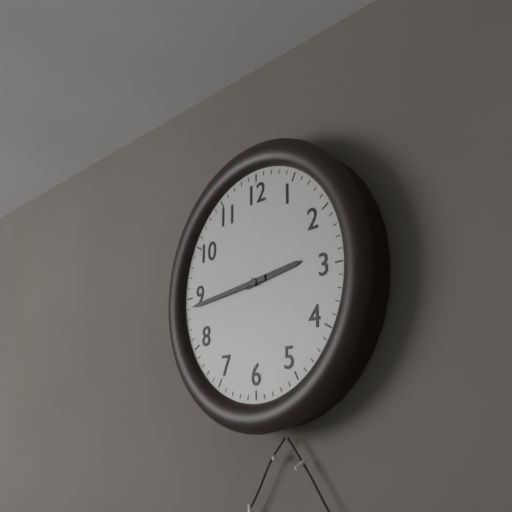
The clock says 2h44
